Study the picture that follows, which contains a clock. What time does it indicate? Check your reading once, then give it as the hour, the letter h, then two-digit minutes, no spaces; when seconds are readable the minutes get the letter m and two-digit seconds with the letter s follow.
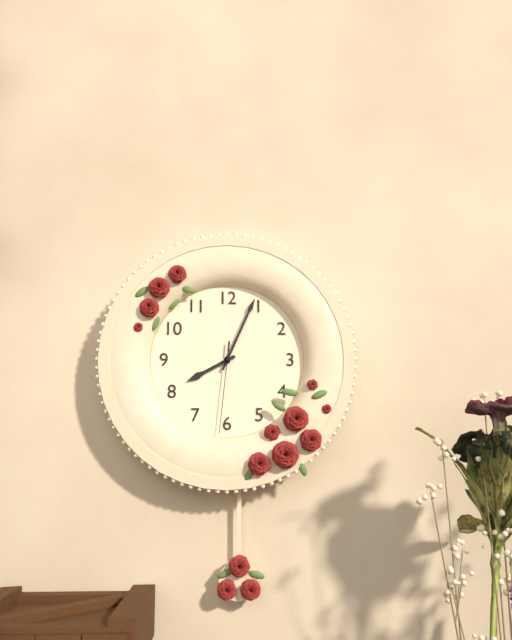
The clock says 8h04m31s
